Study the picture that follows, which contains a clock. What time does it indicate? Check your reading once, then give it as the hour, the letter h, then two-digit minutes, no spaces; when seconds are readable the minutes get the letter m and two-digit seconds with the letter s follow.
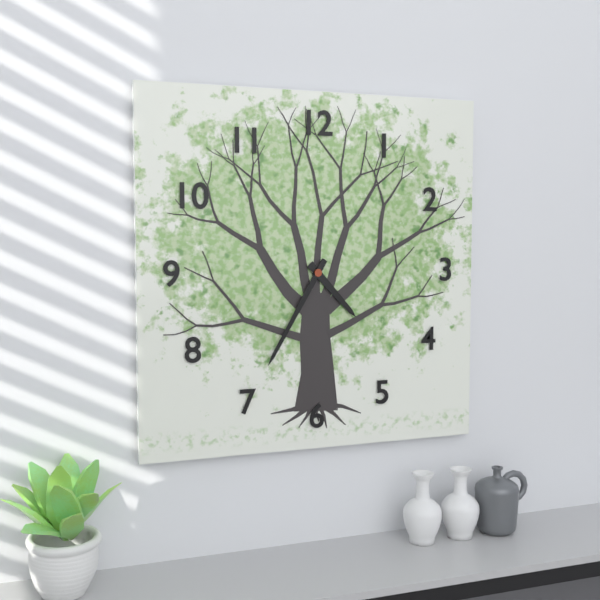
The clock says 4h35
